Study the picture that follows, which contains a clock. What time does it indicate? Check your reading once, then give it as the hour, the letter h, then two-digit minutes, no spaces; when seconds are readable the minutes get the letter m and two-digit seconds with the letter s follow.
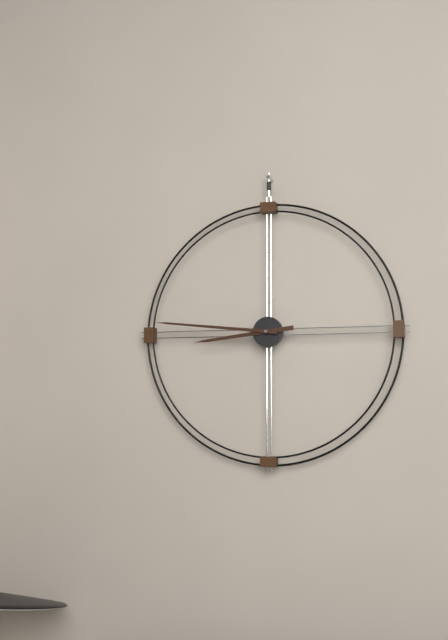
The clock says 8h46
